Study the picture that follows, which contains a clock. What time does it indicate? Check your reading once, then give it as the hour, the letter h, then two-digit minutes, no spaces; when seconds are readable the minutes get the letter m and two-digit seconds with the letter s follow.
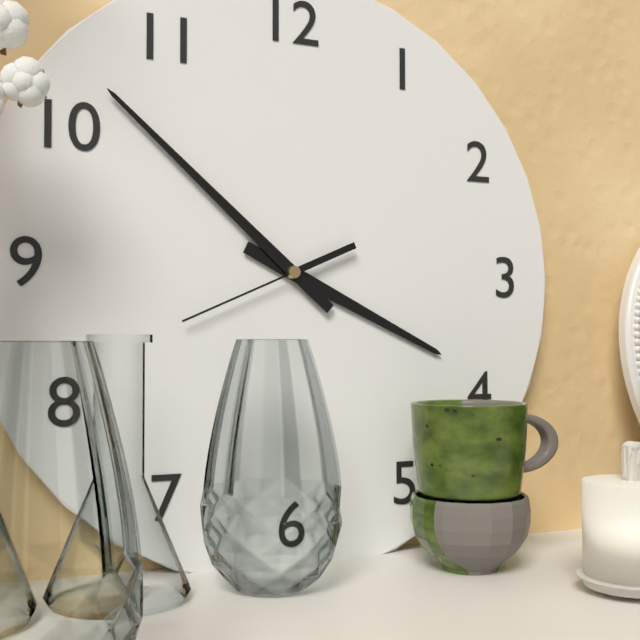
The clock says 3h52m41s
